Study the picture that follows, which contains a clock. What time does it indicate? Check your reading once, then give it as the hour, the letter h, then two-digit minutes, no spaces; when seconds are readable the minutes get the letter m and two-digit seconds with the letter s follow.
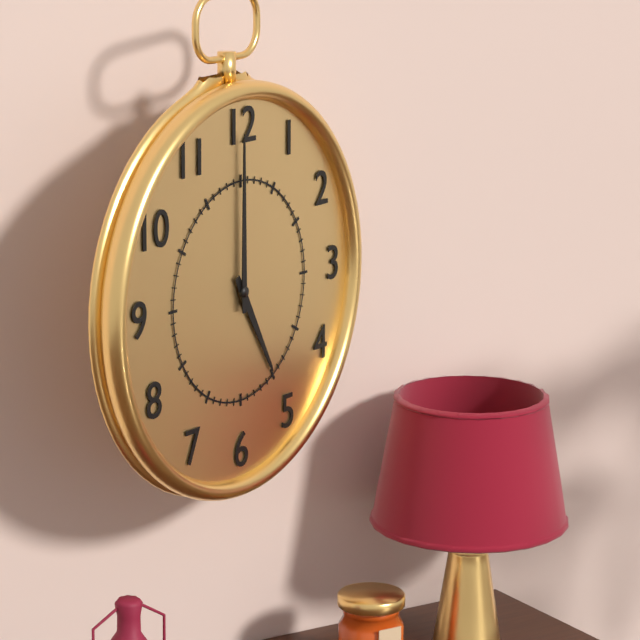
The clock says 5h00
